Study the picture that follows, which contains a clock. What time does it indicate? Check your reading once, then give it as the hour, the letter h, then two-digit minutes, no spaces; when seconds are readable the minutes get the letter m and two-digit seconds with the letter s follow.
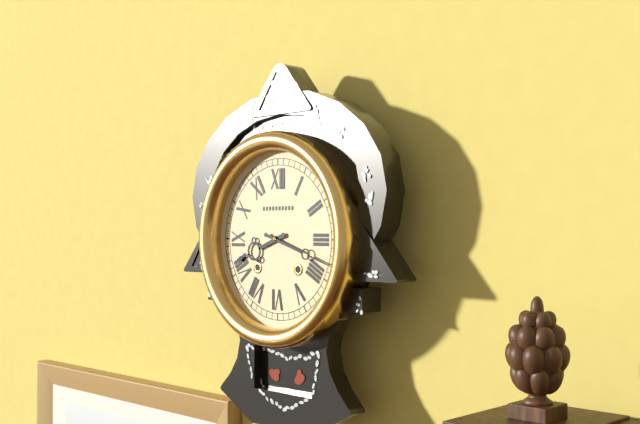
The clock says 8h18
